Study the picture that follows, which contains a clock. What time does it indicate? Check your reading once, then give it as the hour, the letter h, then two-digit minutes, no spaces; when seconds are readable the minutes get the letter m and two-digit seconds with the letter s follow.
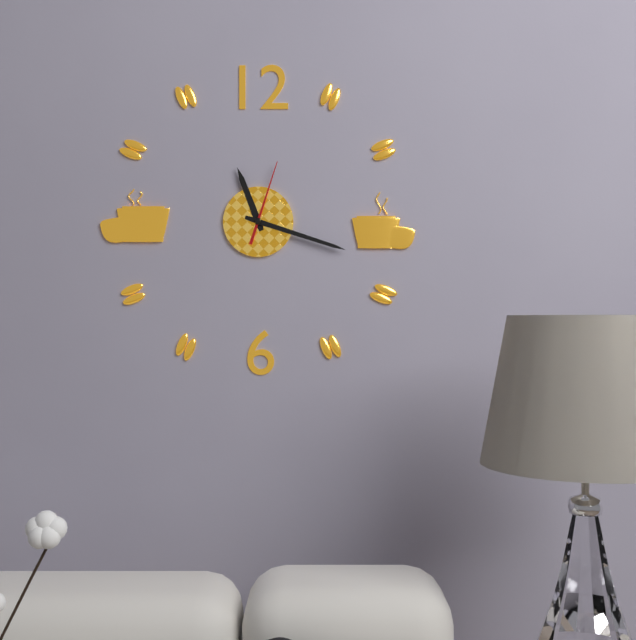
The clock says 11h18m03s
